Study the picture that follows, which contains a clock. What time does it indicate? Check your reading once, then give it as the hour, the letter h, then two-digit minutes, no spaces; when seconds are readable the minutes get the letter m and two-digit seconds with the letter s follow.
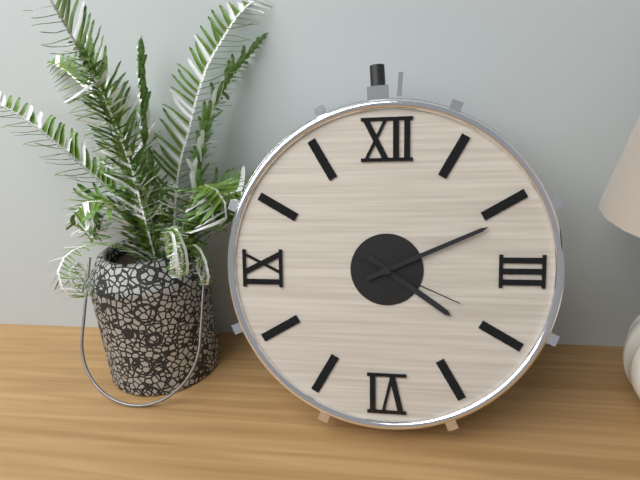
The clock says 4h11m19s
